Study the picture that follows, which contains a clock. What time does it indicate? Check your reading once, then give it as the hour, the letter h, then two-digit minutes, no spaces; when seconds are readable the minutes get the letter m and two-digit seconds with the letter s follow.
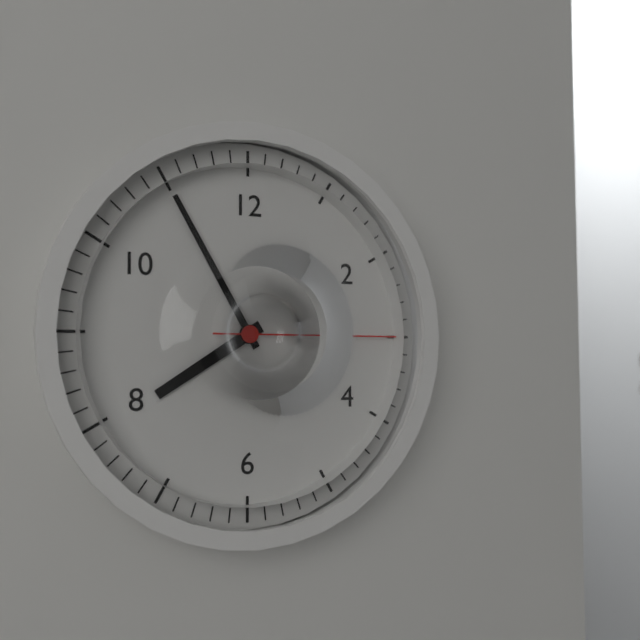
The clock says 7h55m15s
